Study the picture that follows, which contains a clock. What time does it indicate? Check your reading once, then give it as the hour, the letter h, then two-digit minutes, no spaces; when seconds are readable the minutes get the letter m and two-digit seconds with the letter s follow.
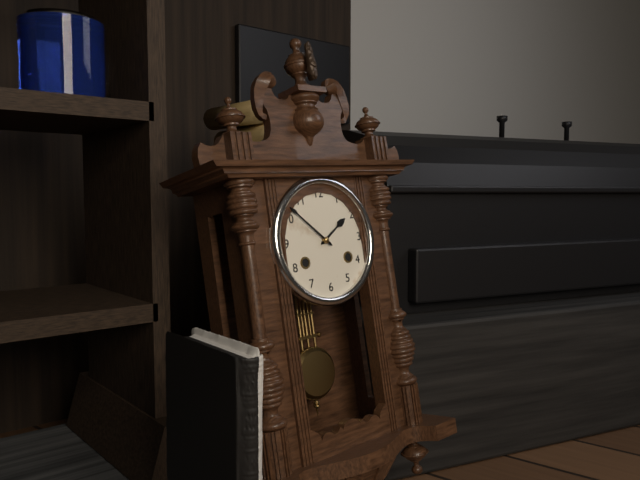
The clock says 1h52
